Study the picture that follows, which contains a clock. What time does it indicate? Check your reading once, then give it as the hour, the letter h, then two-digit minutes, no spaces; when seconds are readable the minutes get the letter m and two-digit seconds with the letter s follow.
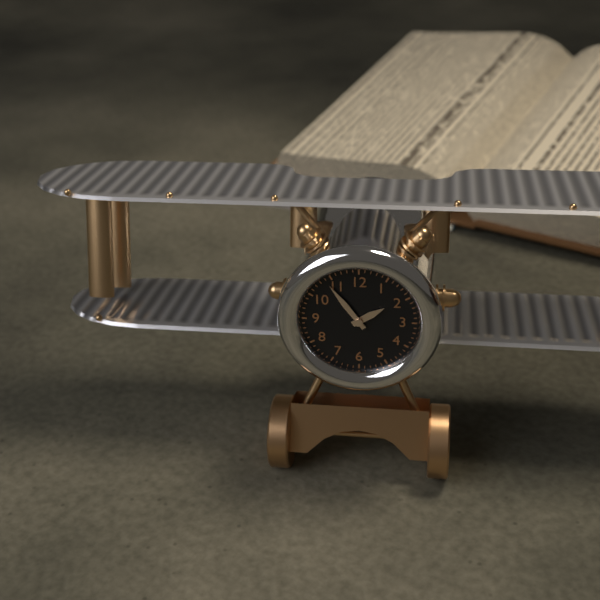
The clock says 1h54
